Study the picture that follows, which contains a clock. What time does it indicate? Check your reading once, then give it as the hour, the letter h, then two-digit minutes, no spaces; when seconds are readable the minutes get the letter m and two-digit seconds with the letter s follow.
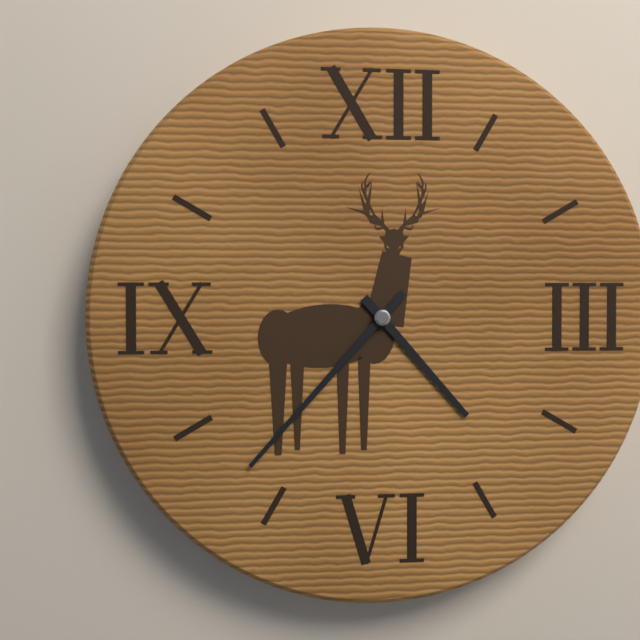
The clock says 4h37
